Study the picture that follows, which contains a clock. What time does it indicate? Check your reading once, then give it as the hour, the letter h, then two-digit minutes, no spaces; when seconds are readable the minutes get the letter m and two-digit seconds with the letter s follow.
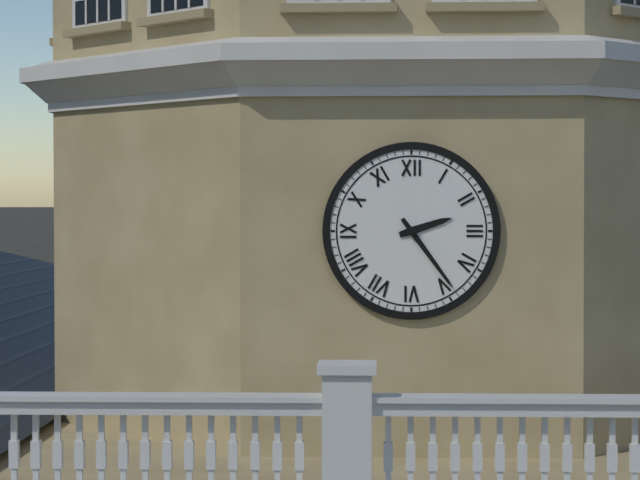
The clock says 2h24
